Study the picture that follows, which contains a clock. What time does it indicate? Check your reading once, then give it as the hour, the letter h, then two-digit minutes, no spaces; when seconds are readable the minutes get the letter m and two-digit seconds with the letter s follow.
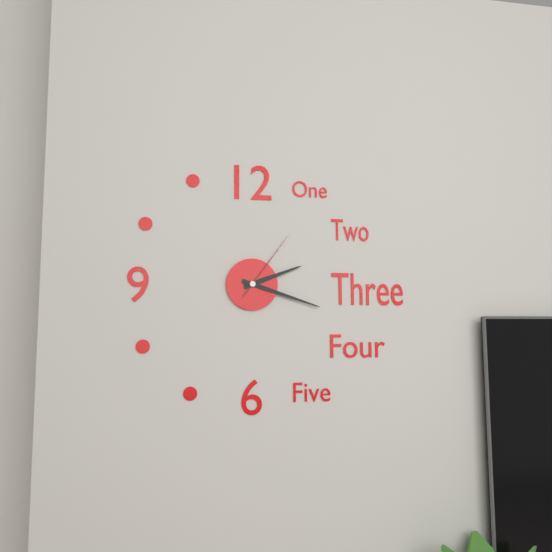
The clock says 2h18m06s
